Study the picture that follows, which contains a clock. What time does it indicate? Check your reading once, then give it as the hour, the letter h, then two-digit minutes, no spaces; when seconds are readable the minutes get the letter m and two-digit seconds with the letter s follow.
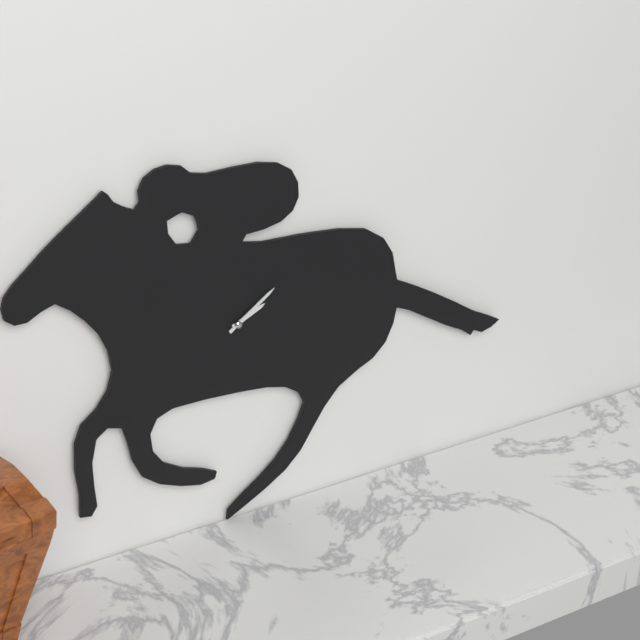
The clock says 2h09
